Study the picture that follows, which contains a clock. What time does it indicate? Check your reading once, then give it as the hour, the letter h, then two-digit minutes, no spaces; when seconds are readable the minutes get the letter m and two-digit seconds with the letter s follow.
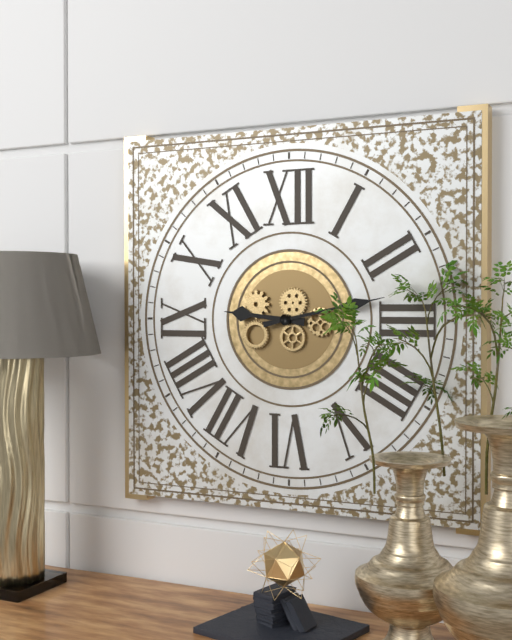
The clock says 9h13
